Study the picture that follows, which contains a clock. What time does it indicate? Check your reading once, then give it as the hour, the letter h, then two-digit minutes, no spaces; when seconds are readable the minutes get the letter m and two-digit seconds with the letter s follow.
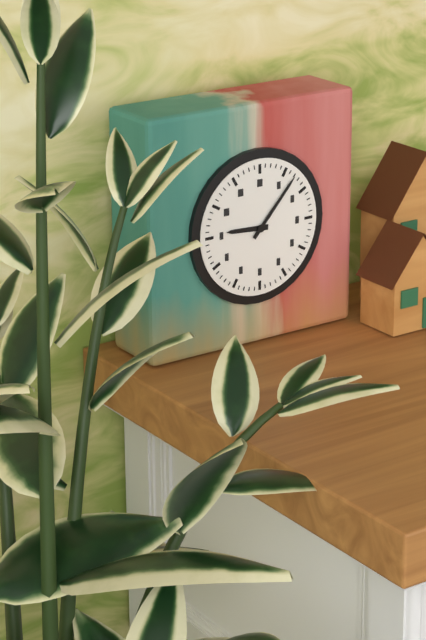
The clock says 9h07
